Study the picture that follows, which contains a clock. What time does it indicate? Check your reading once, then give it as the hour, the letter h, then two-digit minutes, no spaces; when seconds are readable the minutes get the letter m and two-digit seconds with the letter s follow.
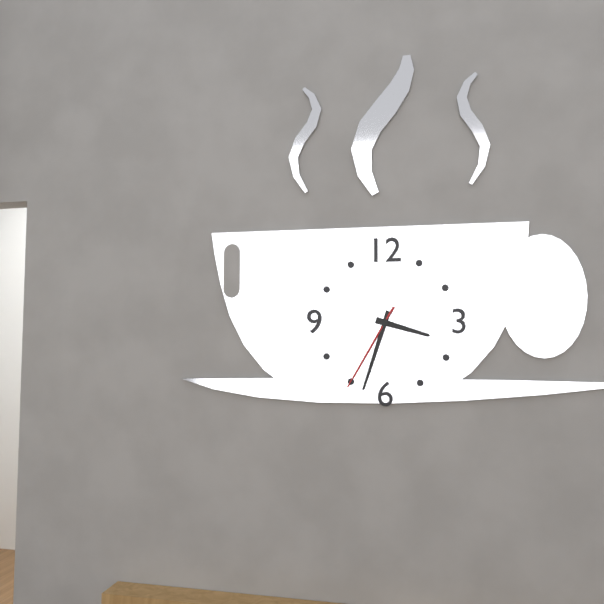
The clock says 3h33m35s
